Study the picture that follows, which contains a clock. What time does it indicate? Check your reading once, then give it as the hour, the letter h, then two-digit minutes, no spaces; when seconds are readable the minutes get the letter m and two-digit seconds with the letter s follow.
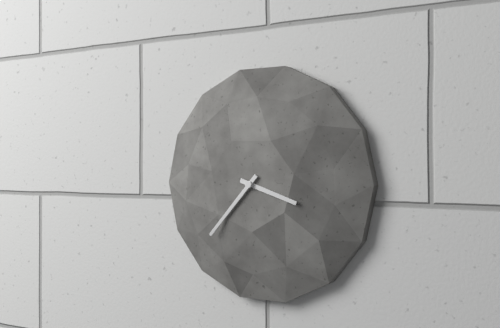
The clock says 3h37
